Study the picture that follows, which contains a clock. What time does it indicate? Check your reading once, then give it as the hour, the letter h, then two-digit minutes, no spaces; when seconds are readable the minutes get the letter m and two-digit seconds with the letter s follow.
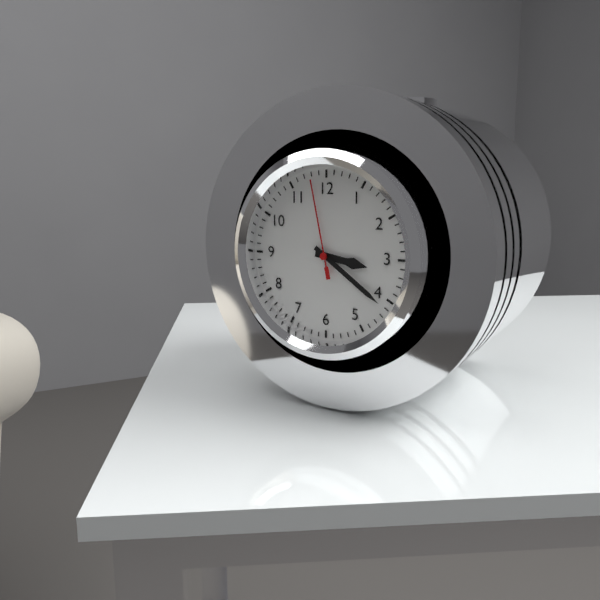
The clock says 3h21m58s
